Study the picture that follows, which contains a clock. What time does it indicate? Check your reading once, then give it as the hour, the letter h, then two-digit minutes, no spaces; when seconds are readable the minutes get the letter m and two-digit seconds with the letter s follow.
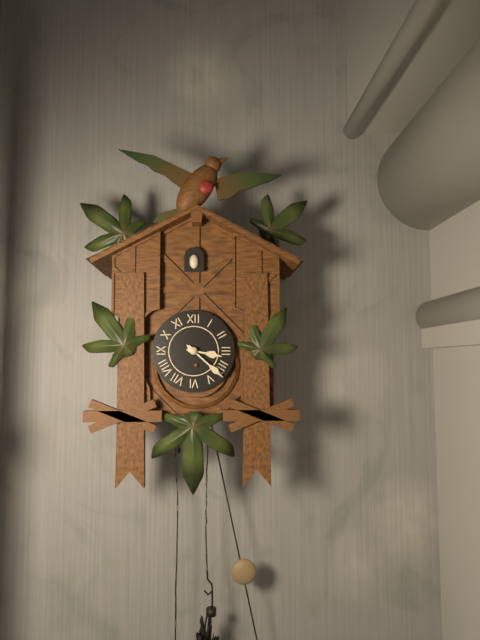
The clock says 3h22
